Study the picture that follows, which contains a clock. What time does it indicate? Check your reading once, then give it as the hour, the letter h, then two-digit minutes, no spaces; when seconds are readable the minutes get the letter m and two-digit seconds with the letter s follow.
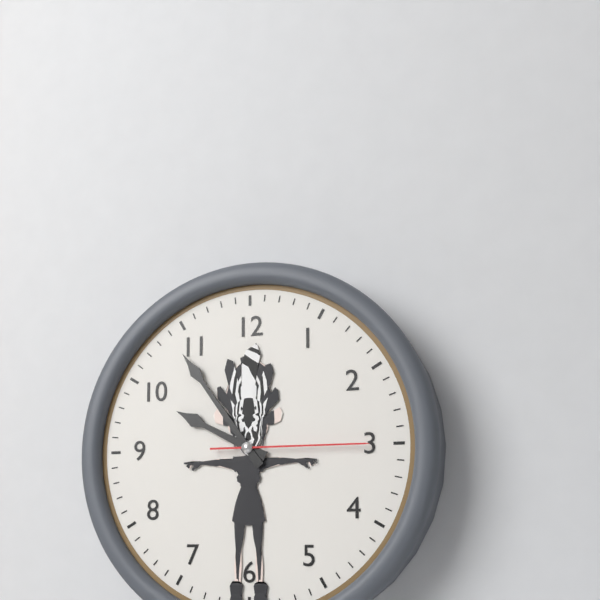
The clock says 9h54m15s
